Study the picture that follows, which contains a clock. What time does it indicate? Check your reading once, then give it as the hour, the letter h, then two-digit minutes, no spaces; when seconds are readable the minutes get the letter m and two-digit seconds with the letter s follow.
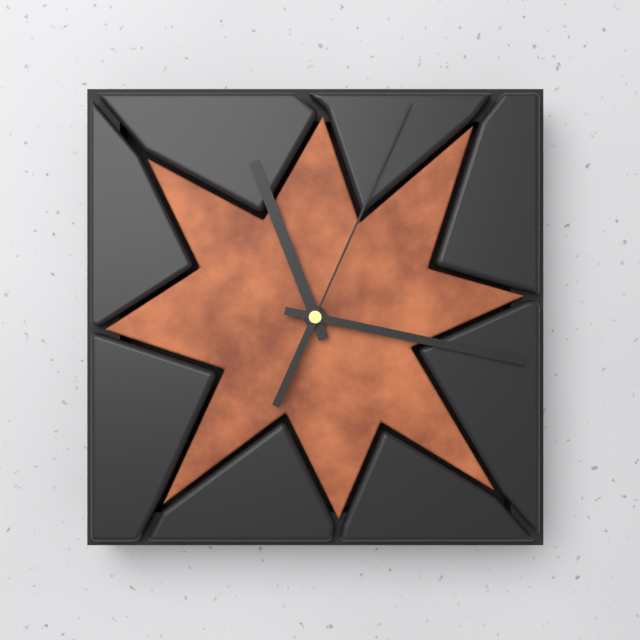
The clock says 11h17m04s
